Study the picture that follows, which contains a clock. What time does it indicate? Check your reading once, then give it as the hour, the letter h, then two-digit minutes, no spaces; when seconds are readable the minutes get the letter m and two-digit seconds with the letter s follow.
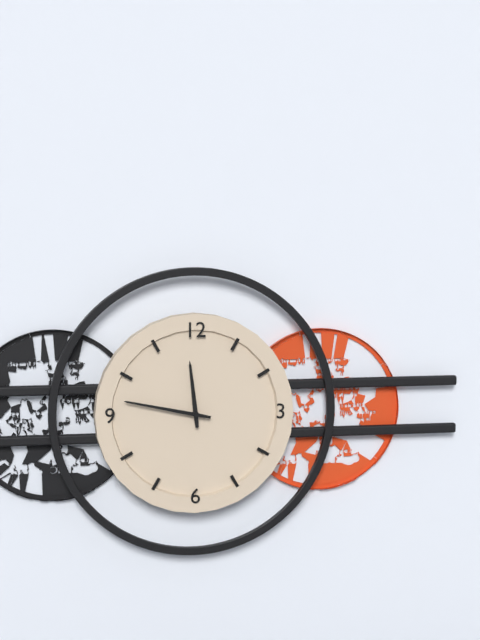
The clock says 11h47
